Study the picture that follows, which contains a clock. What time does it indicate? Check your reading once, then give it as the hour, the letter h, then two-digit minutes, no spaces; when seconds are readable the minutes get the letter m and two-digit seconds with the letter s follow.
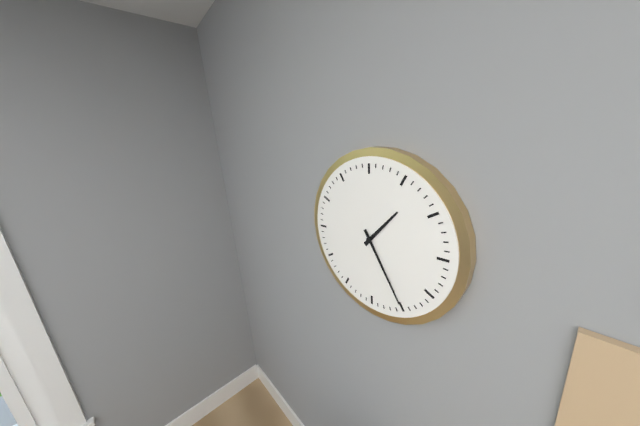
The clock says 1h25
